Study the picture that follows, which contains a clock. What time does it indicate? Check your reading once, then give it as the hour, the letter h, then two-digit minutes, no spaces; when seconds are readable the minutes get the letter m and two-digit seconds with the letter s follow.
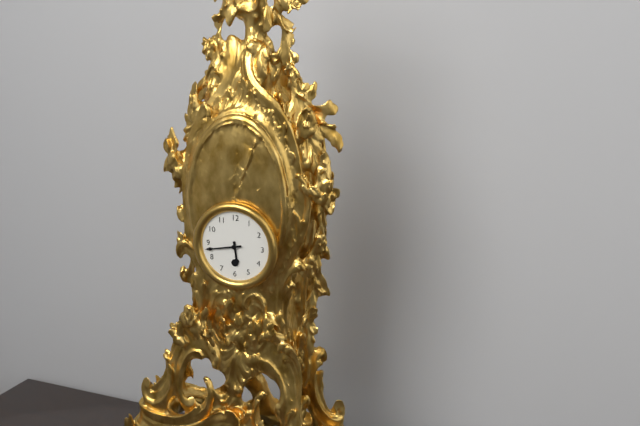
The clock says 5h43
